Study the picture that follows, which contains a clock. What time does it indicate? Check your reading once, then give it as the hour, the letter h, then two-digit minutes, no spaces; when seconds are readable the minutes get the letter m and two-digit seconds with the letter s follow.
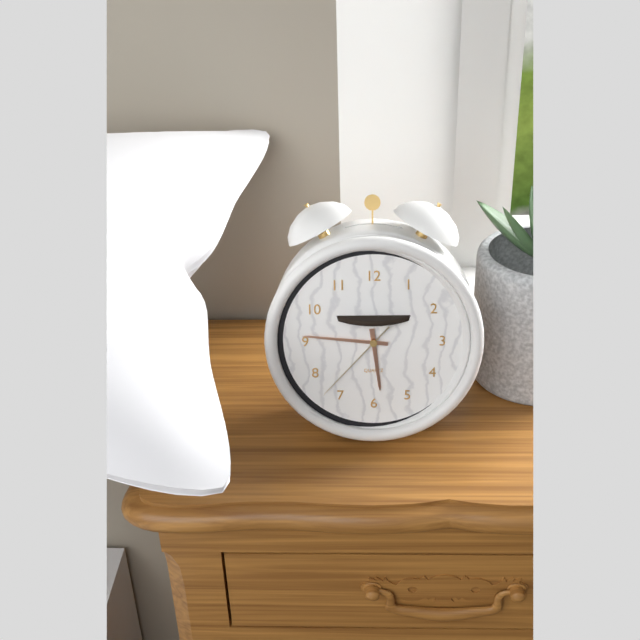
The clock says 5h46m37s
